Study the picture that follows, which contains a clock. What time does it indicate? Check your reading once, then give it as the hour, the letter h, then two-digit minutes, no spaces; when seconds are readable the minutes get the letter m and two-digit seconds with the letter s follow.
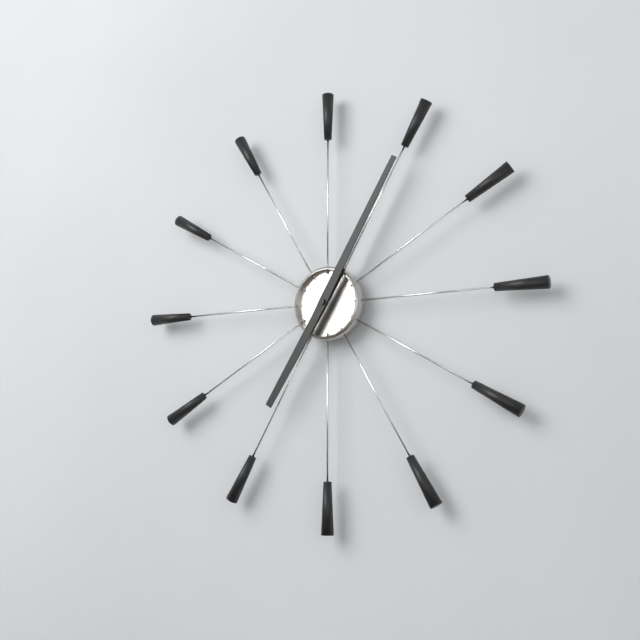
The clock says 7h05
